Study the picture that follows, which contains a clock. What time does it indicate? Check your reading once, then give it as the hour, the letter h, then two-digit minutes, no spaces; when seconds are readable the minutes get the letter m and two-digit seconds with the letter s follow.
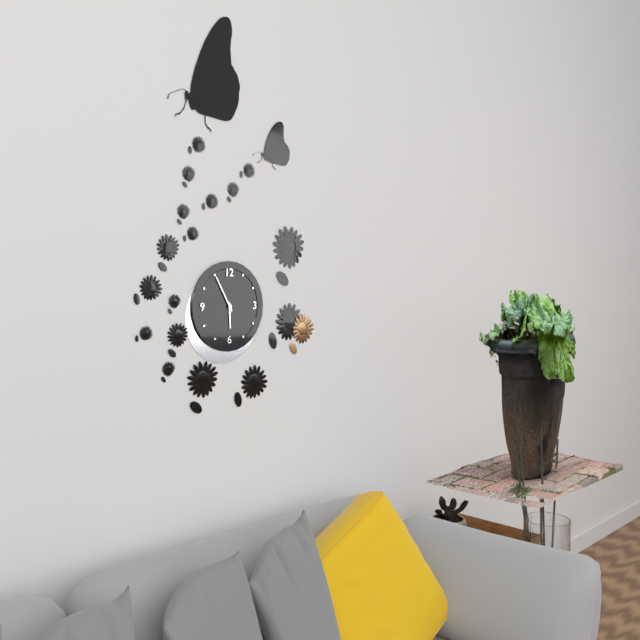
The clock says 5h55
